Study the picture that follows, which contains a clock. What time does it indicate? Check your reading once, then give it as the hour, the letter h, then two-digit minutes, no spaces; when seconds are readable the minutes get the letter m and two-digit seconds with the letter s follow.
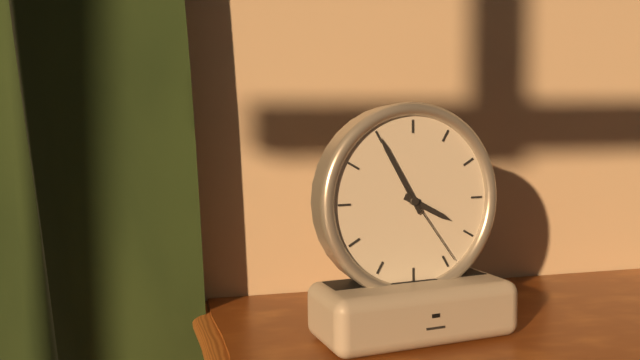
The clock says 3h55m24s
